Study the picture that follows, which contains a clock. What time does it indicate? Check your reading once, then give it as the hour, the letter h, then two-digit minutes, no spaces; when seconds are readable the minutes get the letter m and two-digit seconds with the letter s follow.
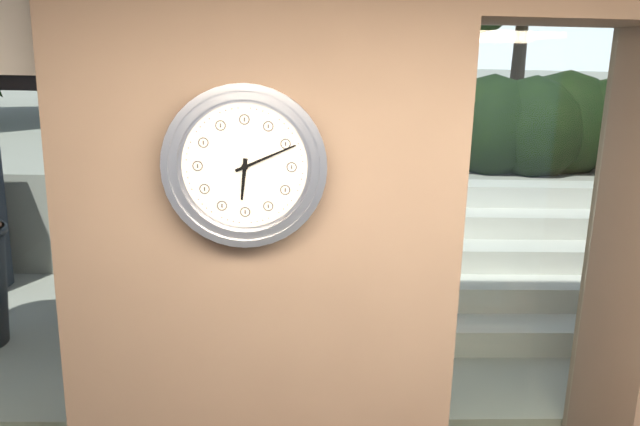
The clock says 6h11
